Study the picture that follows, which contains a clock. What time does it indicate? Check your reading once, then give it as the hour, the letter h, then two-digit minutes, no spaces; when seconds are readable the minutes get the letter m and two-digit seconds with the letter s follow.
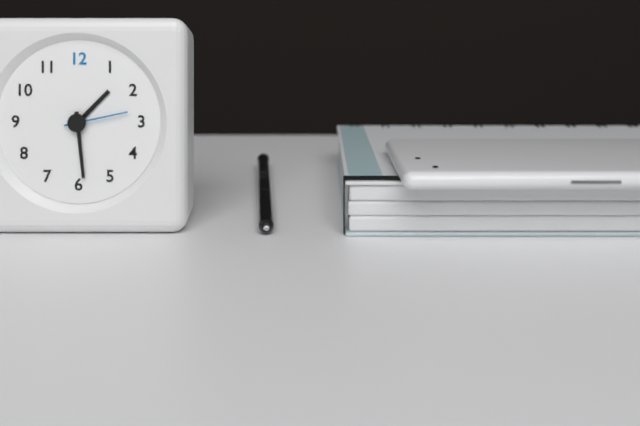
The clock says 1h29m13s
